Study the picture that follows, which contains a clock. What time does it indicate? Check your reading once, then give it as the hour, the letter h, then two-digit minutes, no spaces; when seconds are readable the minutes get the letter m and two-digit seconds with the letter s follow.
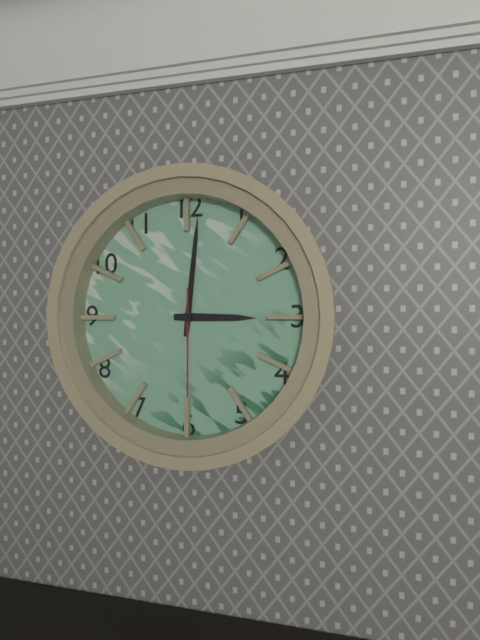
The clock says 3h01m30s
